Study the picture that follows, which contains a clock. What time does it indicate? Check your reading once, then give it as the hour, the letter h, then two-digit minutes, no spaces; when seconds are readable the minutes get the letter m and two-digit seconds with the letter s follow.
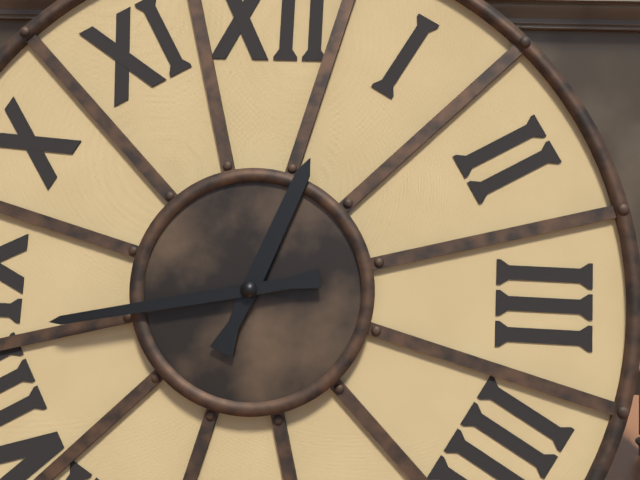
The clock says 12h43
